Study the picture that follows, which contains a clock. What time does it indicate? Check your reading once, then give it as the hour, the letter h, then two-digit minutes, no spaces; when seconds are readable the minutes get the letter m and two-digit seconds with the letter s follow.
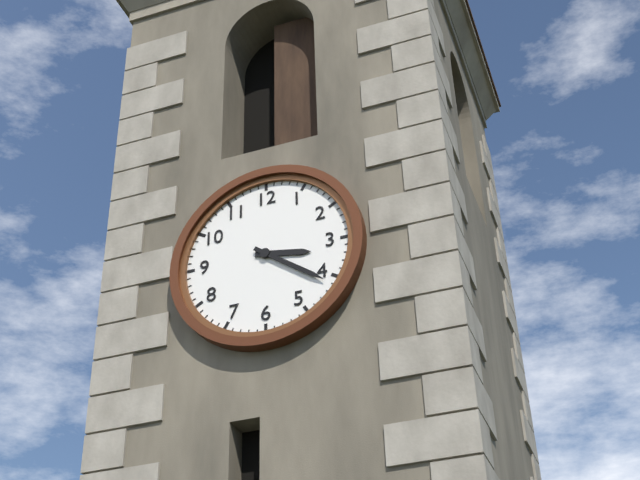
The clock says 3h21
